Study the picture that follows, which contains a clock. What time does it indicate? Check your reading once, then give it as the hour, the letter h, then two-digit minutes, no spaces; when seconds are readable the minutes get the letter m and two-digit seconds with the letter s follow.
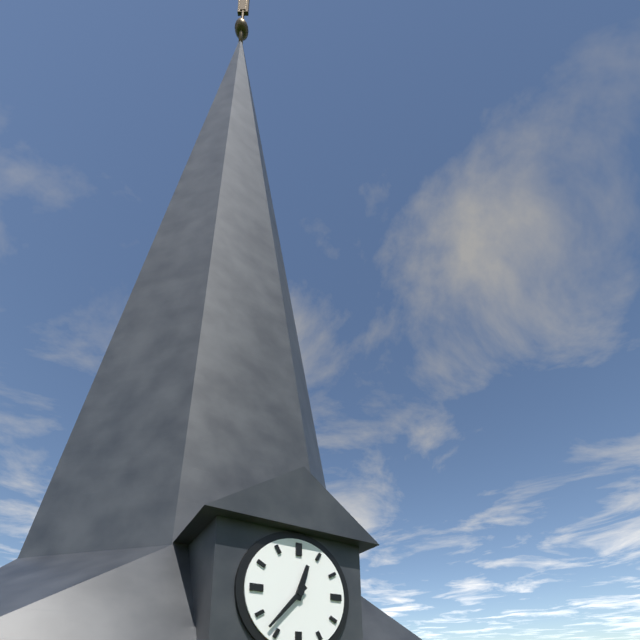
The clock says 12h37
